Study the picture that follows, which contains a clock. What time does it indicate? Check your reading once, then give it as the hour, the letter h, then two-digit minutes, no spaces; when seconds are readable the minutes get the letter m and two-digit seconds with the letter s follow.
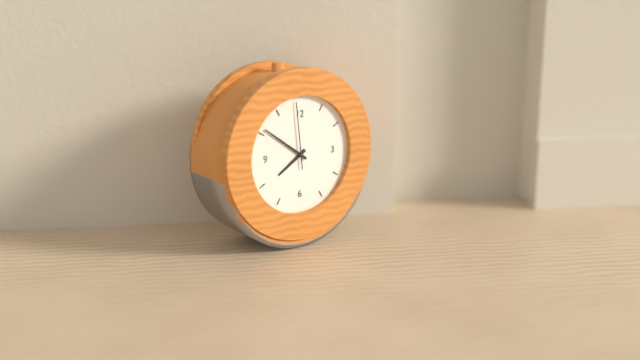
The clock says 7h51m59s
